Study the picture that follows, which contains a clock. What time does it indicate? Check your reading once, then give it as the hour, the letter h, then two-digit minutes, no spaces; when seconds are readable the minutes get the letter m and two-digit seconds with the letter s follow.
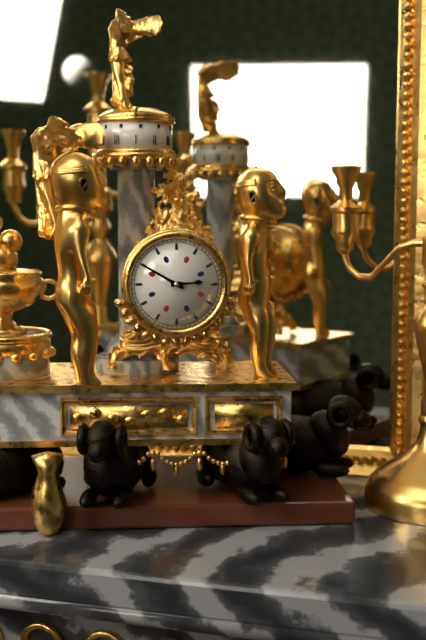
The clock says 2h50
